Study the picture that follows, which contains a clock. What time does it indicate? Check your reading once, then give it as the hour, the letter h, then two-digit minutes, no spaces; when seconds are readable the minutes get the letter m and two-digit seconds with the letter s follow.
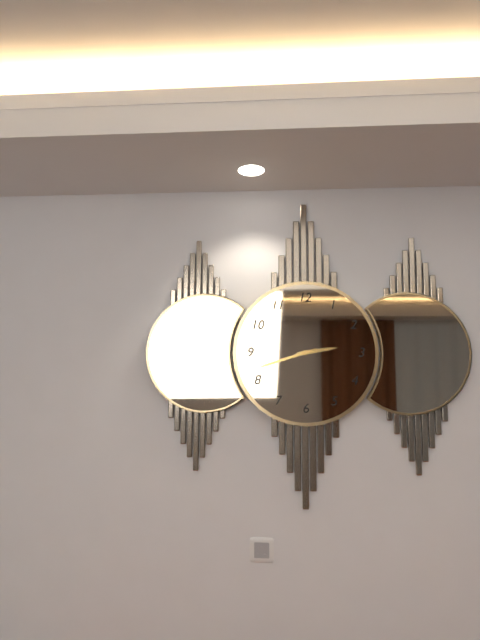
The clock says 2h42
